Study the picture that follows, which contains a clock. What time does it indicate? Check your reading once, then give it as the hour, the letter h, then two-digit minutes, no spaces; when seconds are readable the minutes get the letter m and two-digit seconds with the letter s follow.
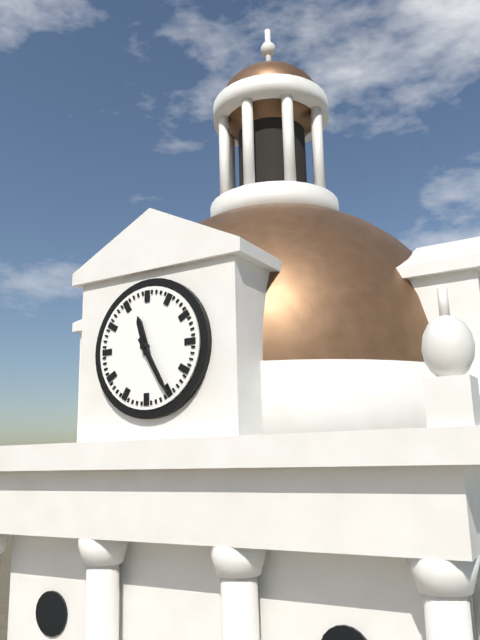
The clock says 11h25
